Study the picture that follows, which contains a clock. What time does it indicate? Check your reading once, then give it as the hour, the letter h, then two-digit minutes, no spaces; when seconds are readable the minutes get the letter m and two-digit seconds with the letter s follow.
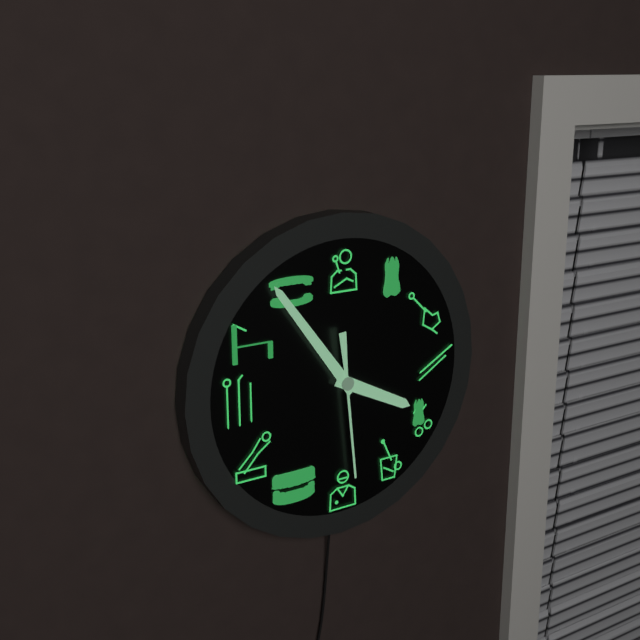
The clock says 3h54m29s
